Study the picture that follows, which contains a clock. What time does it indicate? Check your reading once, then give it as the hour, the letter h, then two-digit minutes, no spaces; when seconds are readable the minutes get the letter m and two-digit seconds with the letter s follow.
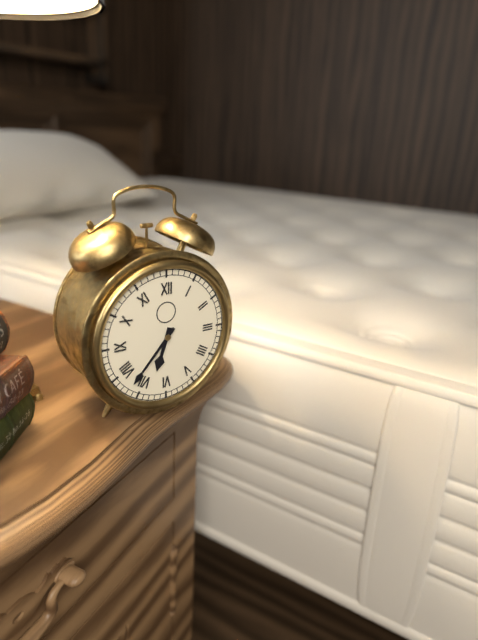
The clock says 6h37
